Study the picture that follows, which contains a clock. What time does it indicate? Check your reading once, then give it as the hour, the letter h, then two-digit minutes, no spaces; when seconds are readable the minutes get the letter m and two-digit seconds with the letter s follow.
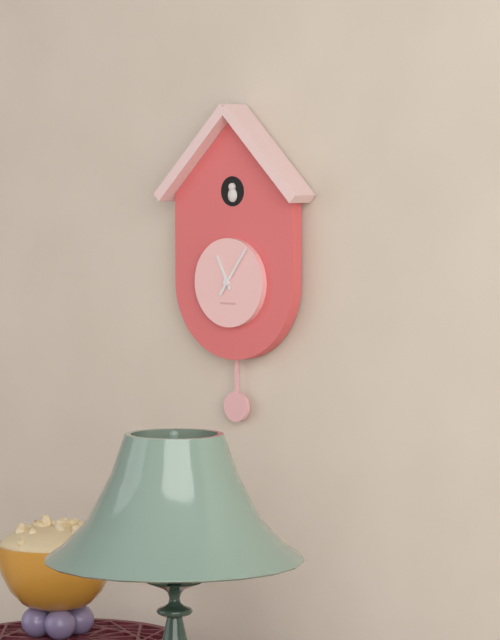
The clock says 11h06
